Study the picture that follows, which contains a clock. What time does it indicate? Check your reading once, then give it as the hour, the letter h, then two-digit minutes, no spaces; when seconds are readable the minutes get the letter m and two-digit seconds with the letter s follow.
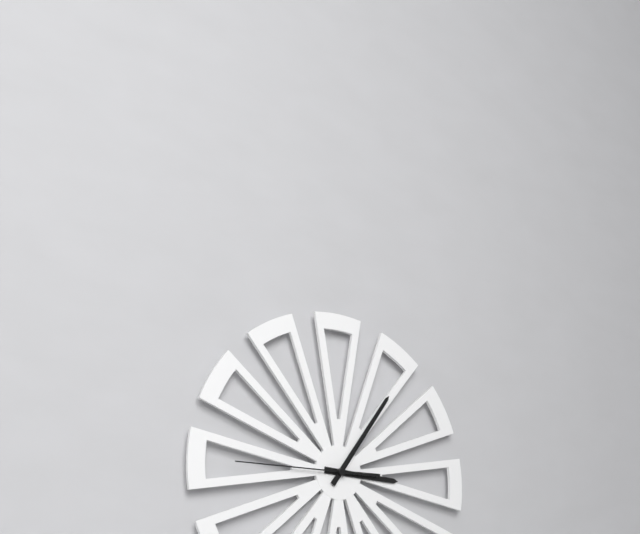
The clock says 3h06m45s
